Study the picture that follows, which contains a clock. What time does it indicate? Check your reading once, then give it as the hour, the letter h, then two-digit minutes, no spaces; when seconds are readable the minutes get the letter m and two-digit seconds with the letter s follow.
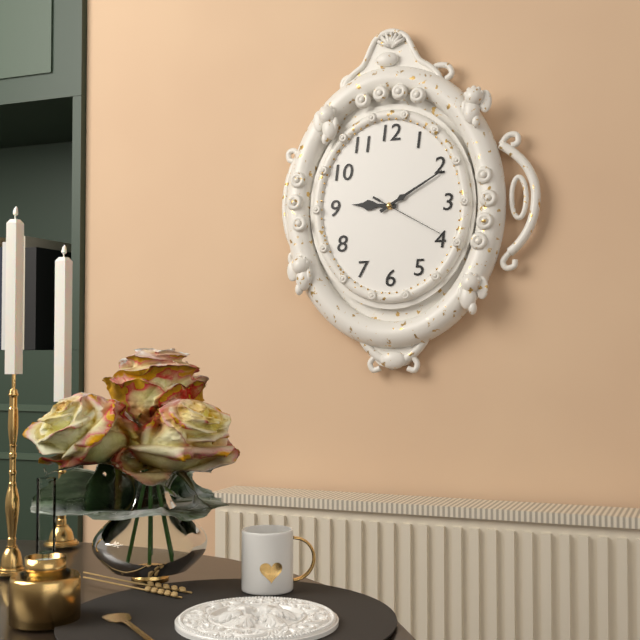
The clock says 9h10m20s
